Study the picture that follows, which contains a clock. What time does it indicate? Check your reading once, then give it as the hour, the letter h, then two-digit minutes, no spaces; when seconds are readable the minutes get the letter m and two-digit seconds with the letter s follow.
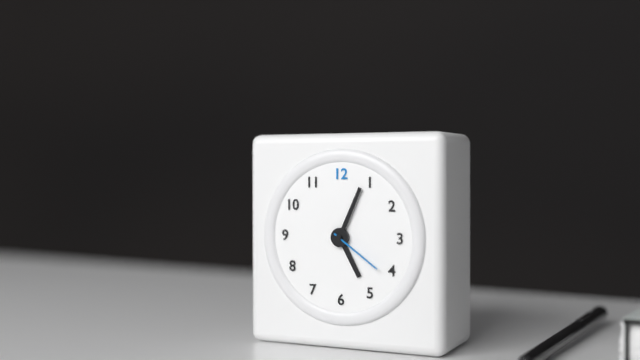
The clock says 5h04m21s
